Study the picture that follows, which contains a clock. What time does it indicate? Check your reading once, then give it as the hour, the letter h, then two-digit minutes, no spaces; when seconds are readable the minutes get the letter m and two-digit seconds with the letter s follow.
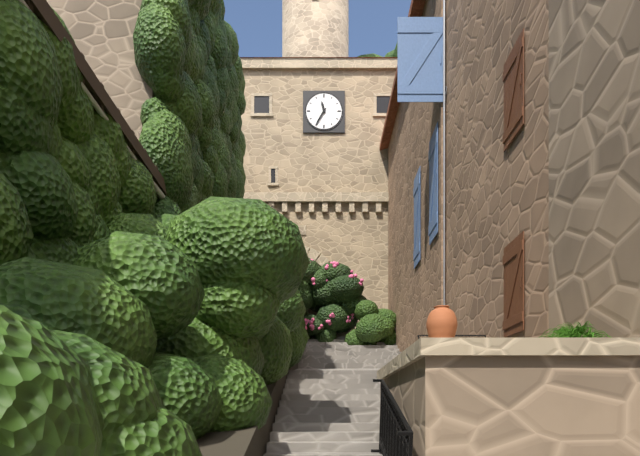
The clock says 11h35
